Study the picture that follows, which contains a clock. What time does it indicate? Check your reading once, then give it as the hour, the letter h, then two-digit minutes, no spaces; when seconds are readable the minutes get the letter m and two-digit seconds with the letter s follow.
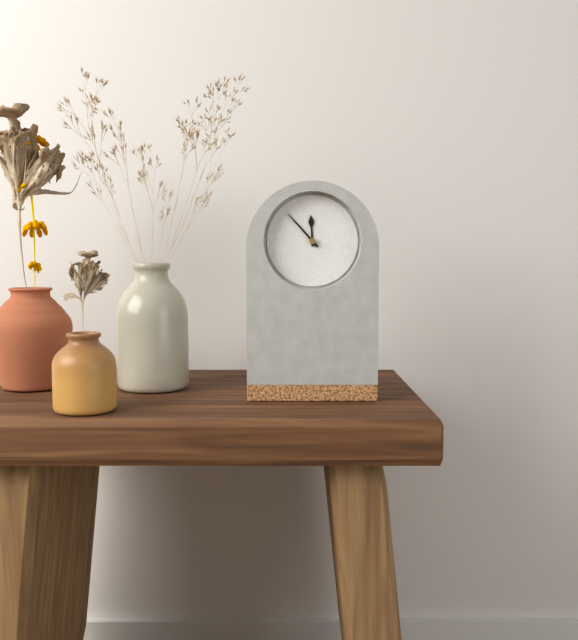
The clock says 11h53
